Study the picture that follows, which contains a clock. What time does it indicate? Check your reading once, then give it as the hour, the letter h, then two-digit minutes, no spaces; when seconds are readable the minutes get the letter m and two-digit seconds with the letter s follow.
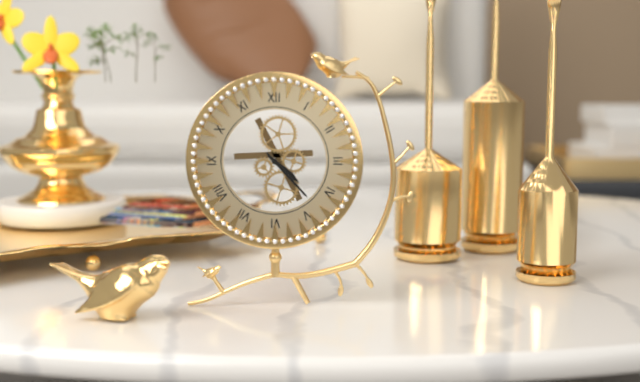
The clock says 4h23
